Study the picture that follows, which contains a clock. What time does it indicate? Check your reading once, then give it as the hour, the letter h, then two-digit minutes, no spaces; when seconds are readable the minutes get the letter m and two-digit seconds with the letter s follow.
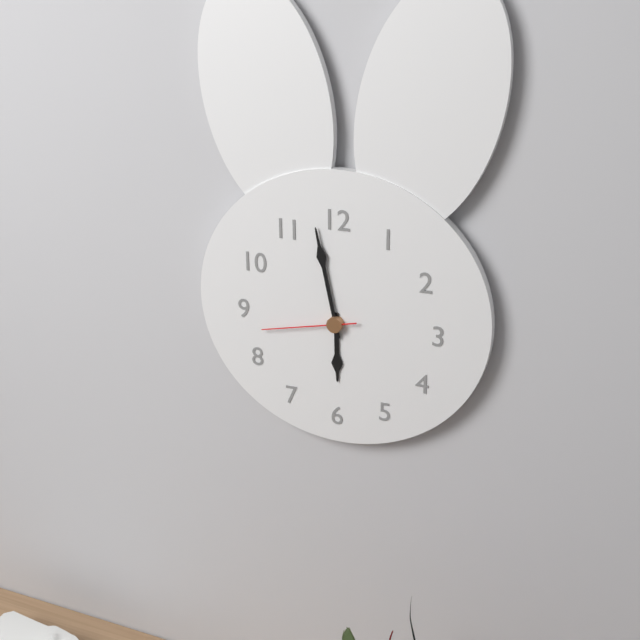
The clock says 5h58m43s
